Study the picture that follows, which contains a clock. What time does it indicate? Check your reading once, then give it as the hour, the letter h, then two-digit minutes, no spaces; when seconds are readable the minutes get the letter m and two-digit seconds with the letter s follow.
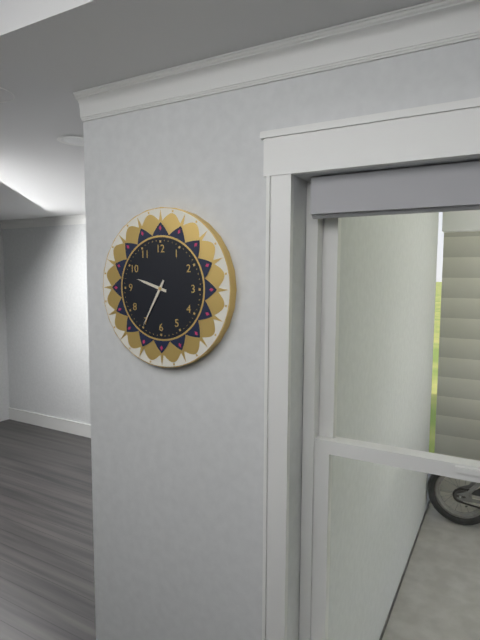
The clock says 9h35
